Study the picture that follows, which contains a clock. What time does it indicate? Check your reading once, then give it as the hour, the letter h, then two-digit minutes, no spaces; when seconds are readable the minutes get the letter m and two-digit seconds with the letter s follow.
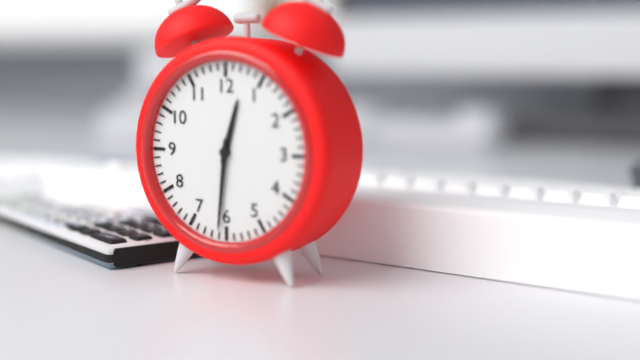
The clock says 12h31
